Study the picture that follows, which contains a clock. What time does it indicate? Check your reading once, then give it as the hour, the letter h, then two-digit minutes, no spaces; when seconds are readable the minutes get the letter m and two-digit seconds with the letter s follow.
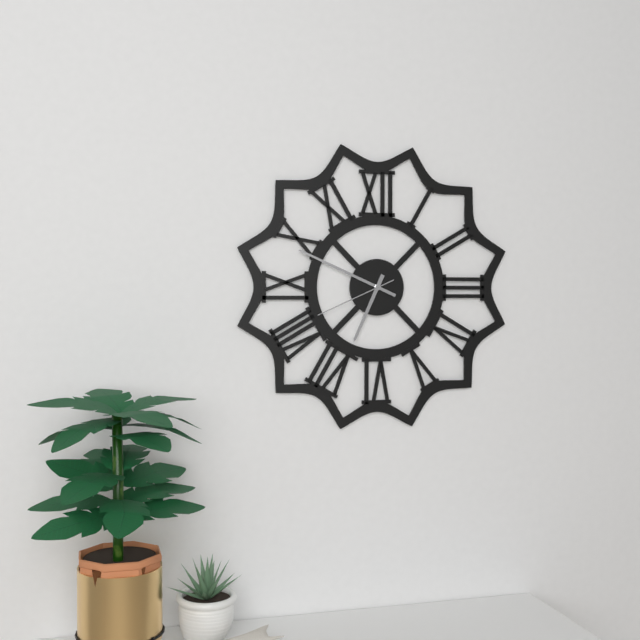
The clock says 6h49m41s
